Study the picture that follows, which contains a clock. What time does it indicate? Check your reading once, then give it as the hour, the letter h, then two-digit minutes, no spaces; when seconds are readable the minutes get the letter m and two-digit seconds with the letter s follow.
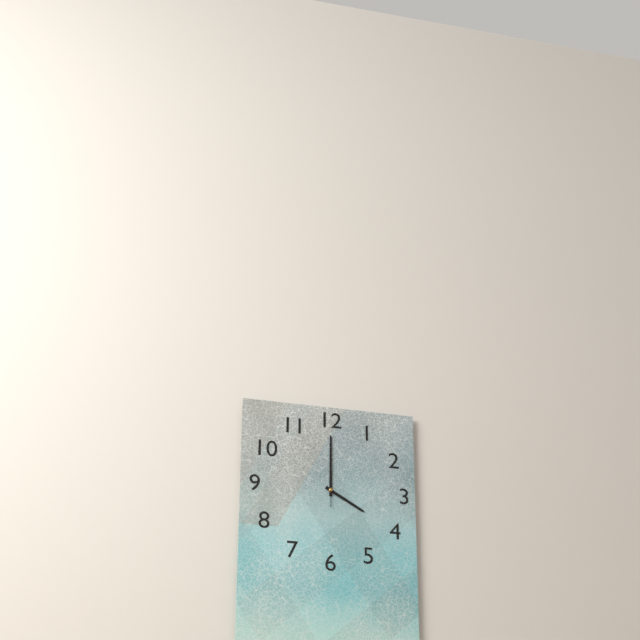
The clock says 4h00m00s
